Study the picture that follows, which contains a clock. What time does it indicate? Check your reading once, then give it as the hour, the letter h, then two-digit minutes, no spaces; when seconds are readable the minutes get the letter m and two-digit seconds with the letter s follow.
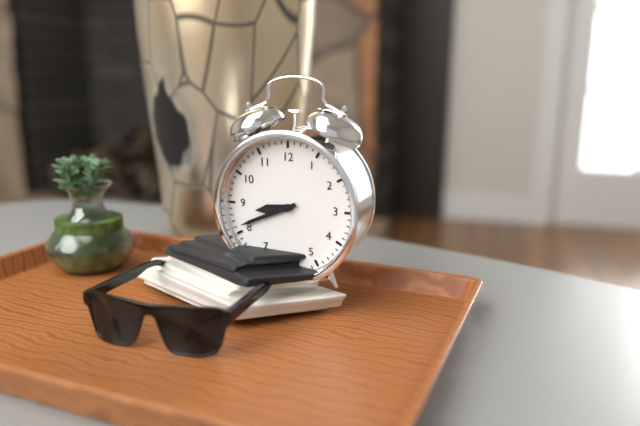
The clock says 8h41
